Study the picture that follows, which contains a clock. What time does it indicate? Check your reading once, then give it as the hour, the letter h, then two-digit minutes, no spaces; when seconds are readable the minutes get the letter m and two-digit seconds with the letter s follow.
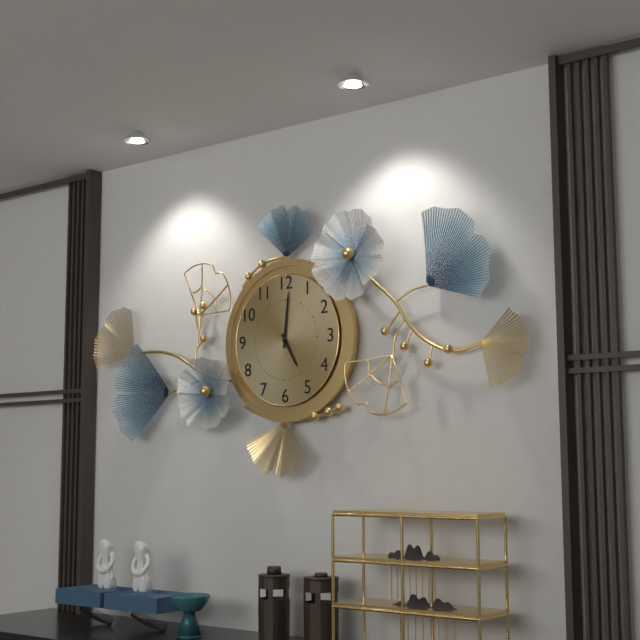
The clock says 5h01
